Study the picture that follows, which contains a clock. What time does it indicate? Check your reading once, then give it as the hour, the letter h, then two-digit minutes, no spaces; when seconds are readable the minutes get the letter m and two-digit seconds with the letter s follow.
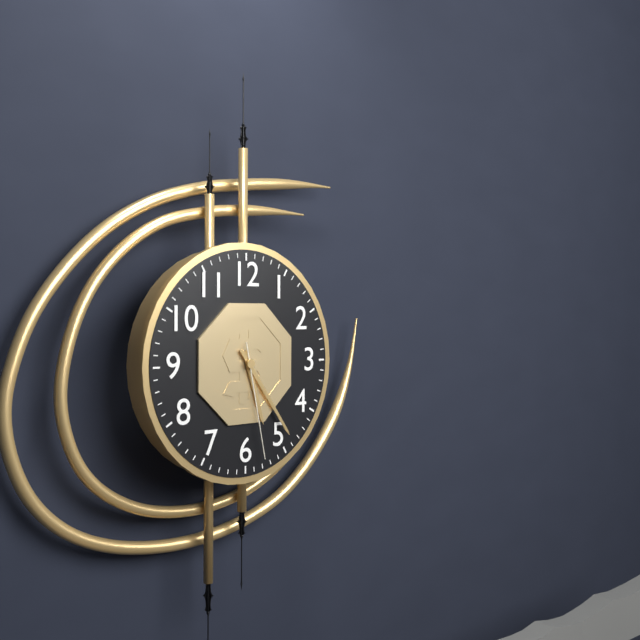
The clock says 5h24m28s
